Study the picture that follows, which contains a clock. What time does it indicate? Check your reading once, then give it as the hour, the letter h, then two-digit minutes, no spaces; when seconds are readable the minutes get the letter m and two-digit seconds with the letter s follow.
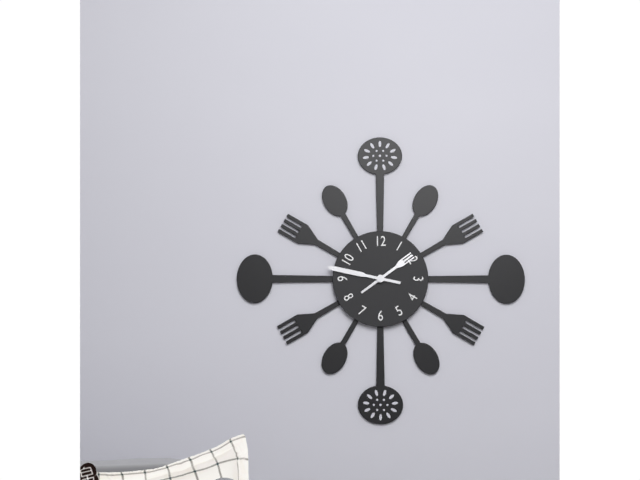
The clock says 1h47
